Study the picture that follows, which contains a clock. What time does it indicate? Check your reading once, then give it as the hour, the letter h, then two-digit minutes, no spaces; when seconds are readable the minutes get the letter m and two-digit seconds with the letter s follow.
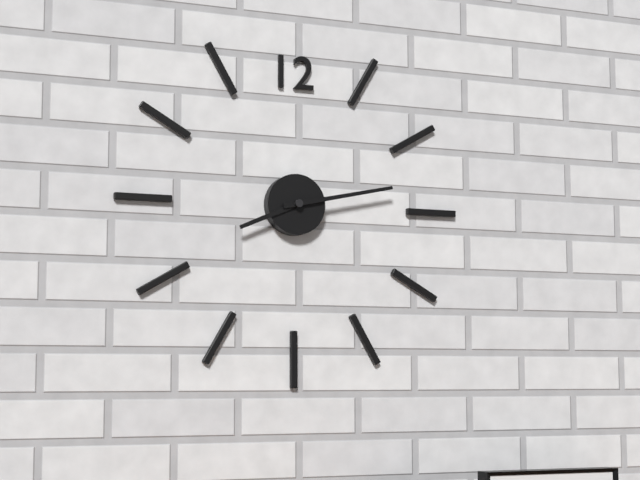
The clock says 8h13
